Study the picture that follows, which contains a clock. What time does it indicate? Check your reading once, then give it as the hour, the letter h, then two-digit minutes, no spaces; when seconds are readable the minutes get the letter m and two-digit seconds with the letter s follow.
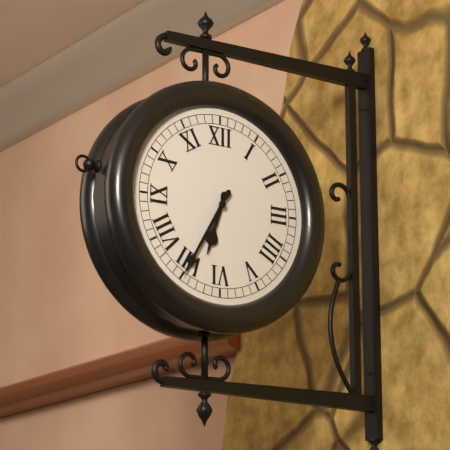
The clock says 6h35
